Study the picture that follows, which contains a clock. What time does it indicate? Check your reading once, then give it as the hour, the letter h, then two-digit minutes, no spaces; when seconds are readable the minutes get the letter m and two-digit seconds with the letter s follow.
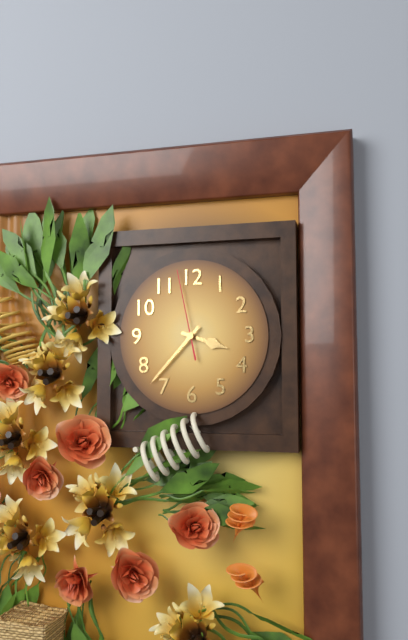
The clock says 3h37m58s
